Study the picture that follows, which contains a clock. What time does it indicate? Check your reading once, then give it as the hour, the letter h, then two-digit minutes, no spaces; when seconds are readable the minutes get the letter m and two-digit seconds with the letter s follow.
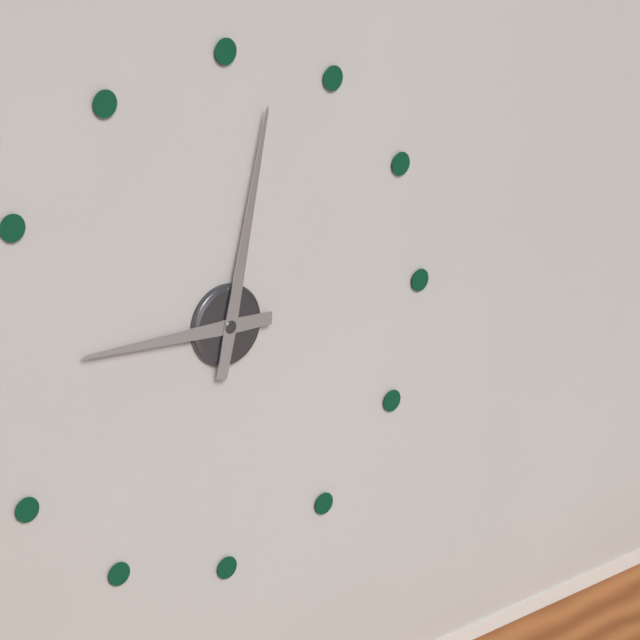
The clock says 9h02
